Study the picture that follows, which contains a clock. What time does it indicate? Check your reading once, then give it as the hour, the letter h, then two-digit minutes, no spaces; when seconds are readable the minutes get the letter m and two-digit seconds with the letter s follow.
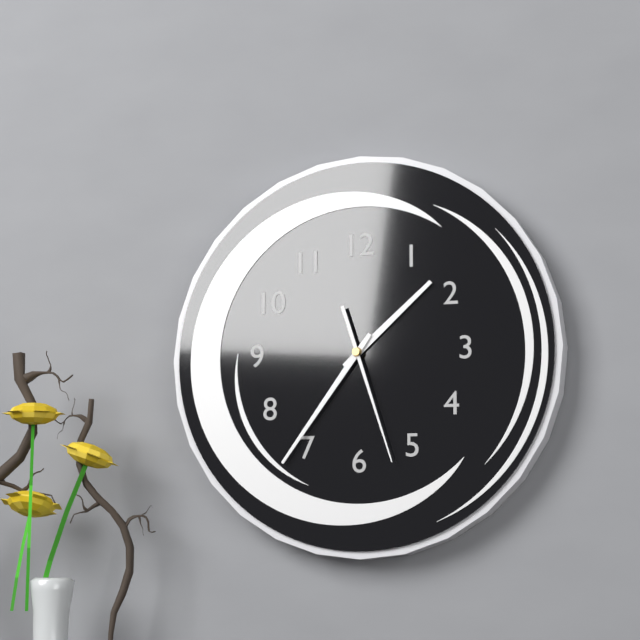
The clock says 1h36m27s
